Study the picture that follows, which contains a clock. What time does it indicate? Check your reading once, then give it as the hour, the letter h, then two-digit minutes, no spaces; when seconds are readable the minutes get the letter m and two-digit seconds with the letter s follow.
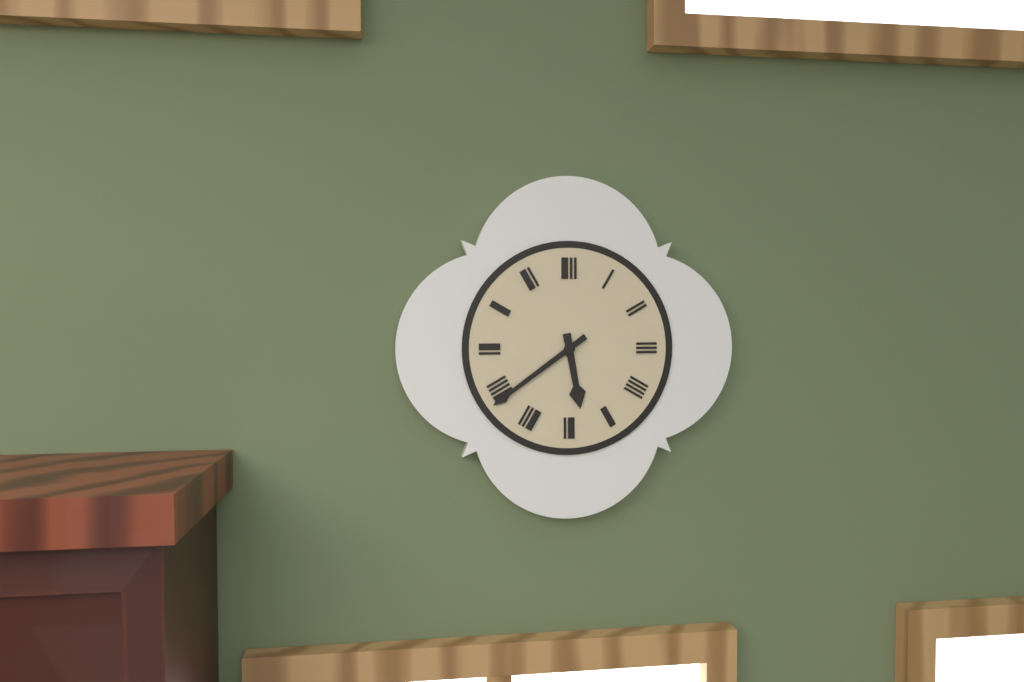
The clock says 5h39
